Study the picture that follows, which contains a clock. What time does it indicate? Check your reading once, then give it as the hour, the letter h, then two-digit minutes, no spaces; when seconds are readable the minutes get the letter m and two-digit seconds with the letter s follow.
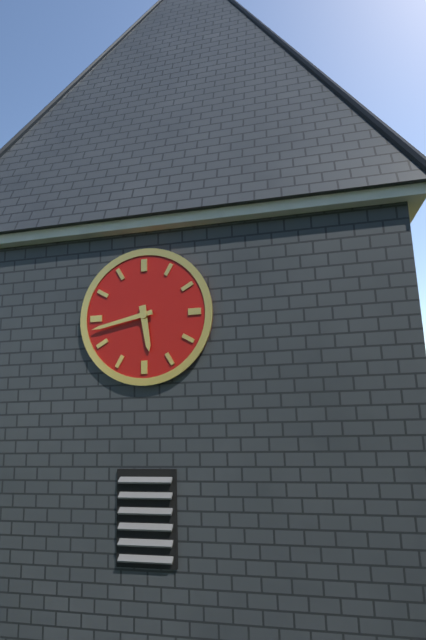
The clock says 5h43
